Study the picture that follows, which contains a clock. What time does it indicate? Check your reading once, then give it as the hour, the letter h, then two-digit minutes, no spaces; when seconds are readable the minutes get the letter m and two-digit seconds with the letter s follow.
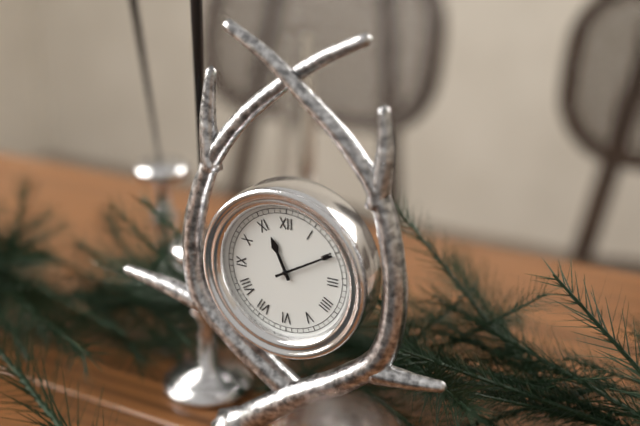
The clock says 11h10
